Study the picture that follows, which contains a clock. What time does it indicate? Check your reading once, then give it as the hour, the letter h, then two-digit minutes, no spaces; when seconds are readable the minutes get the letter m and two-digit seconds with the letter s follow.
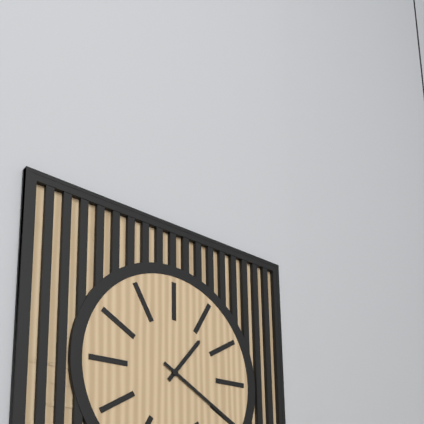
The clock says 1h20
